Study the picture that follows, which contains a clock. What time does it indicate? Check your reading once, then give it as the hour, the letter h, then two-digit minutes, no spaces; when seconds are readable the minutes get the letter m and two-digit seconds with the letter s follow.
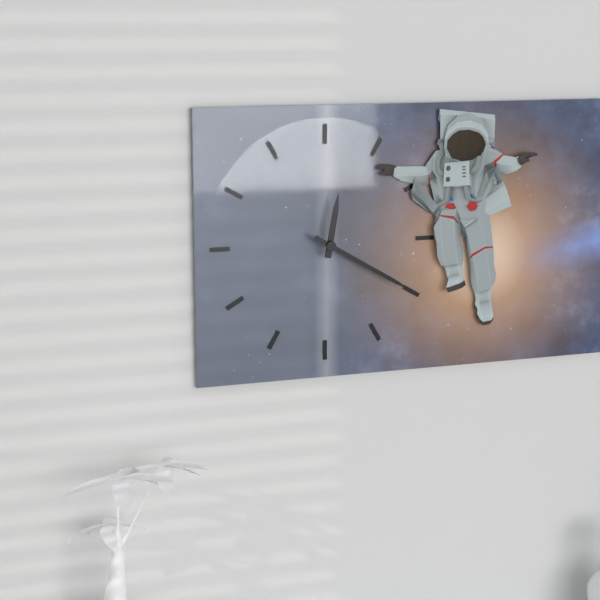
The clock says 12h20
